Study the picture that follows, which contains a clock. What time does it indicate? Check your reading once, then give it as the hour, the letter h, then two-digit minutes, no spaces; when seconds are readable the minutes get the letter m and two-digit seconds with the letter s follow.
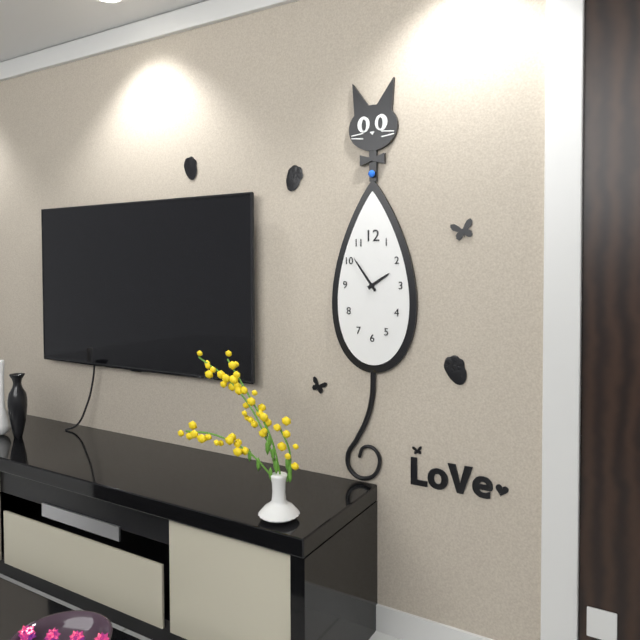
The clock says 1h54
